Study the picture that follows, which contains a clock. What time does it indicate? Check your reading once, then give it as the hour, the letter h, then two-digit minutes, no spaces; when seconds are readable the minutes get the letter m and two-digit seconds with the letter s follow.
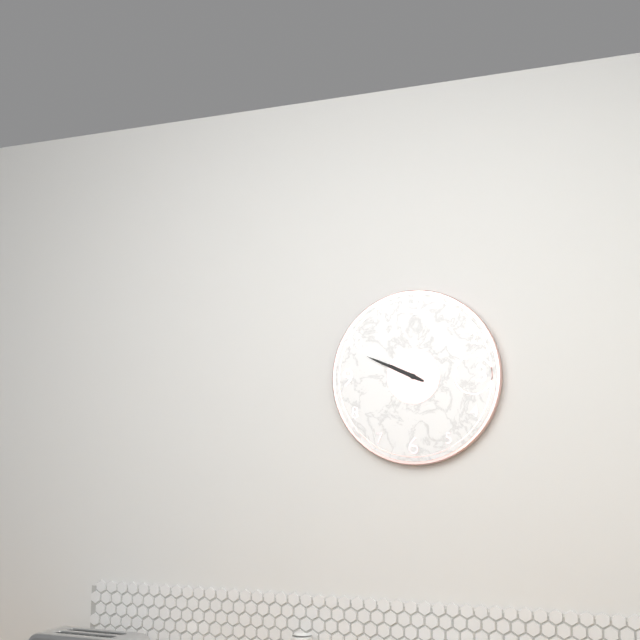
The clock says 9h49
